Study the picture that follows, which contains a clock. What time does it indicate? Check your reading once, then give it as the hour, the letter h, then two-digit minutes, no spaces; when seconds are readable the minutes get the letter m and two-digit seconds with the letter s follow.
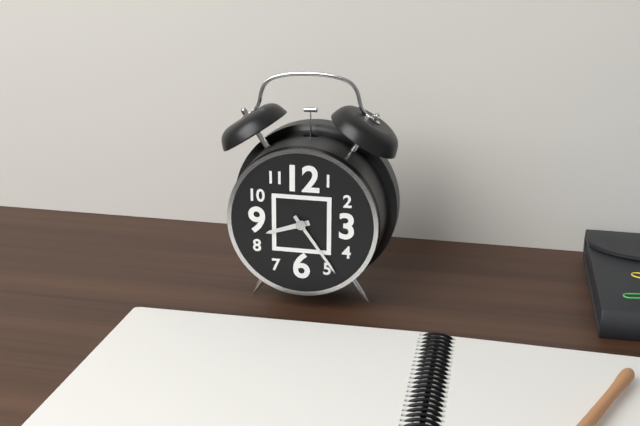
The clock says 8h24
